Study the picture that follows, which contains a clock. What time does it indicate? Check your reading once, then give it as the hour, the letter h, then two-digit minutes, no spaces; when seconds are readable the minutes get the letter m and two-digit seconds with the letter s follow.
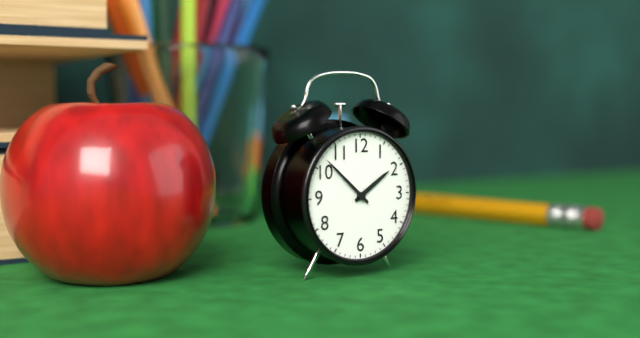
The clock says 1h52
